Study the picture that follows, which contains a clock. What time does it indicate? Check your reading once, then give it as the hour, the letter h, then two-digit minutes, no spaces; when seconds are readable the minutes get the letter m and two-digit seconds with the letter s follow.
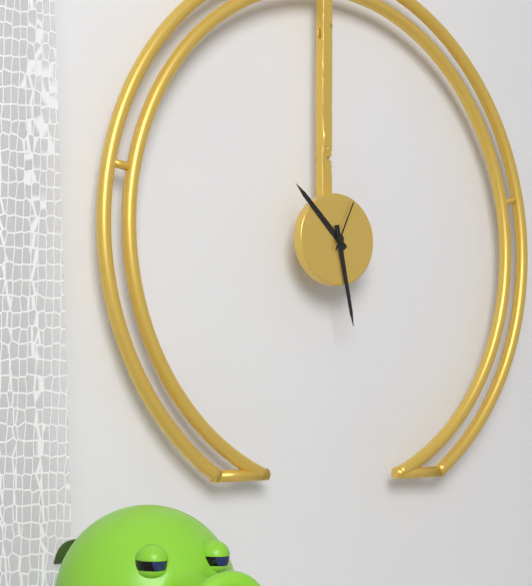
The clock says 10h28
